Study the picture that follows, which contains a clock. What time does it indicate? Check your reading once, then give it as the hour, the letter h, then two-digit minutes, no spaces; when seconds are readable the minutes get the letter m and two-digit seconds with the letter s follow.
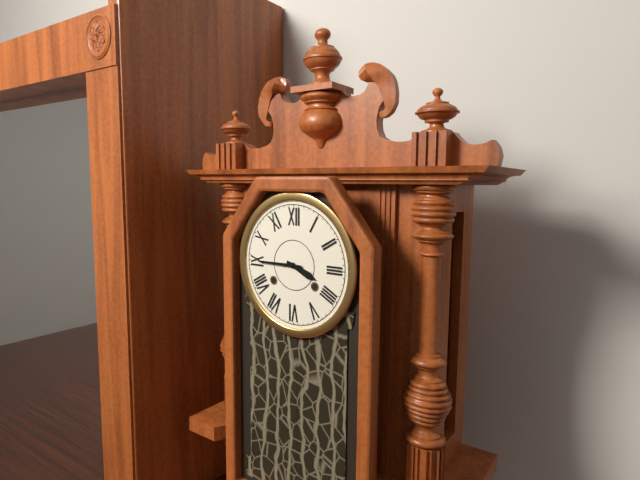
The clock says 3h45
